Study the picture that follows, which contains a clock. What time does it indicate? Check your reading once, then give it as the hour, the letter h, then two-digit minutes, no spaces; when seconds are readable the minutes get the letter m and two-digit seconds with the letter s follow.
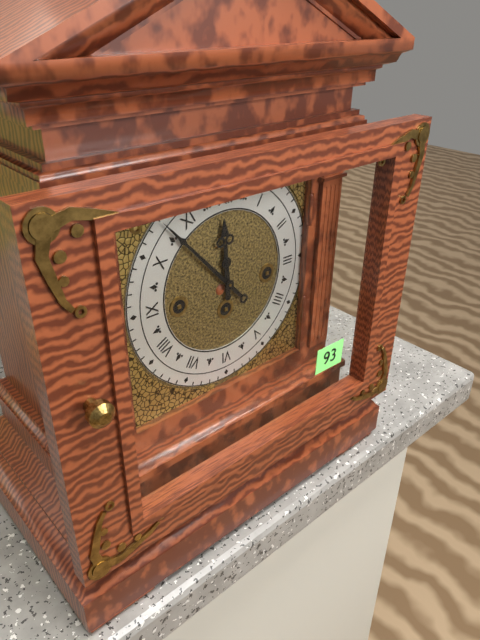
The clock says 11h53
